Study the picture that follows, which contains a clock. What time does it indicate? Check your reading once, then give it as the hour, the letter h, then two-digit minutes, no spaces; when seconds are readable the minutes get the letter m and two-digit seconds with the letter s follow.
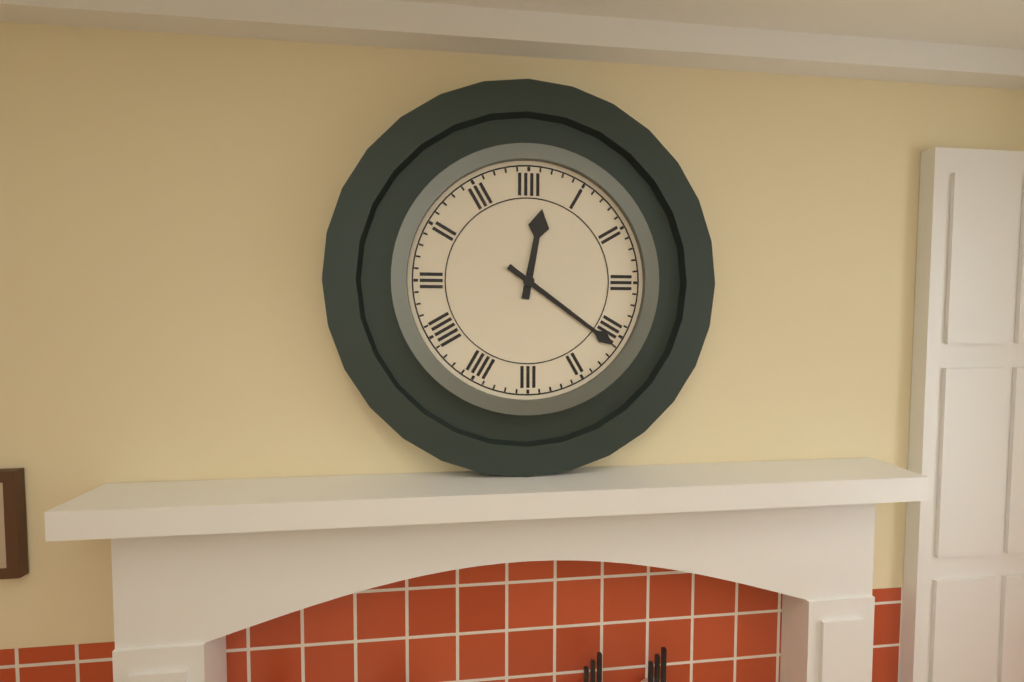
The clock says 12h21
